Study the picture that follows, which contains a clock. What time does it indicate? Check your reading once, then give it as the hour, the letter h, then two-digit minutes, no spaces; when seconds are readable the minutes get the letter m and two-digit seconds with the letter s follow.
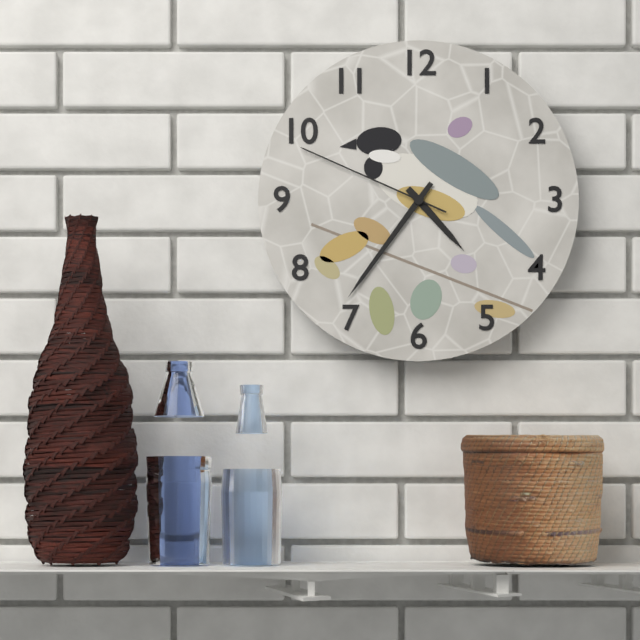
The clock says 4h36m49s
